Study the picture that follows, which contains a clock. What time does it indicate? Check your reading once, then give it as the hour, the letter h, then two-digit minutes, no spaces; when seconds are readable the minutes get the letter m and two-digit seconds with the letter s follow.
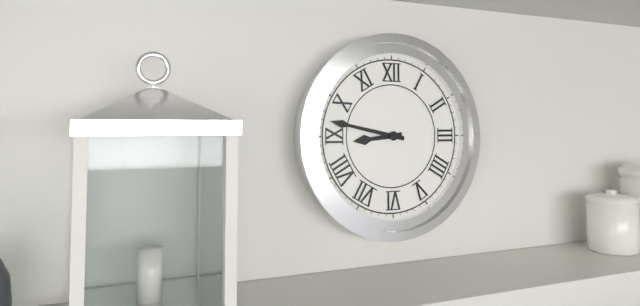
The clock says 8h47
